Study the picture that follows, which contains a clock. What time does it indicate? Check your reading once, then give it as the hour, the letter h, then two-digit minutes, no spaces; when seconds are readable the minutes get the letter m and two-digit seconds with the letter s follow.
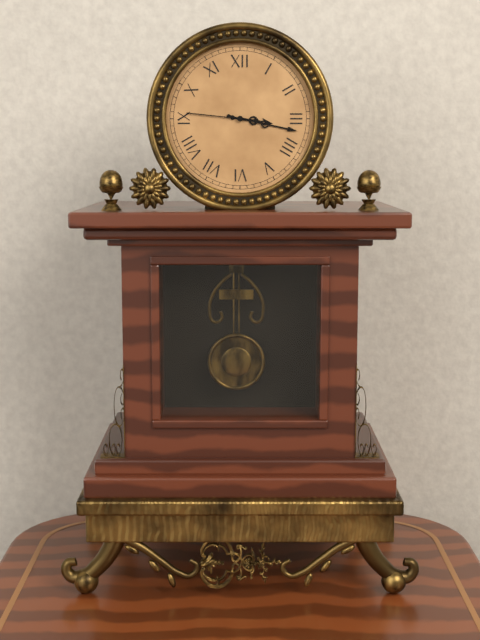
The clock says 3h17m46s
